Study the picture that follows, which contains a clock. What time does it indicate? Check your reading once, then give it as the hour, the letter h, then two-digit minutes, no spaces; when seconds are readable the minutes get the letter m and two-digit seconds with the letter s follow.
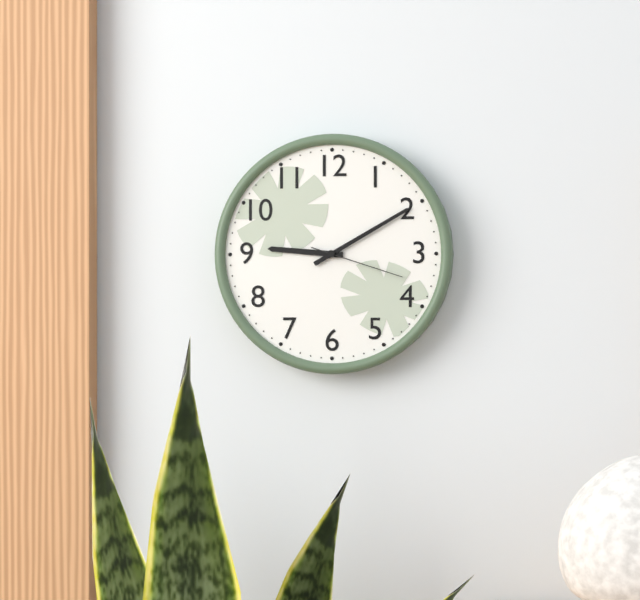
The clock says 9h10m18s
